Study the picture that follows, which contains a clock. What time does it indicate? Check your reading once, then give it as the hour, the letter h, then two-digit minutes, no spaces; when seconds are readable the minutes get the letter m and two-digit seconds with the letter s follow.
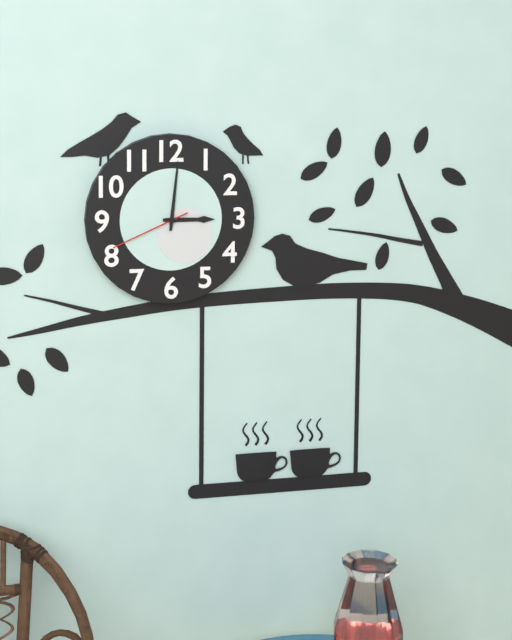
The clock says 3h01m41s
